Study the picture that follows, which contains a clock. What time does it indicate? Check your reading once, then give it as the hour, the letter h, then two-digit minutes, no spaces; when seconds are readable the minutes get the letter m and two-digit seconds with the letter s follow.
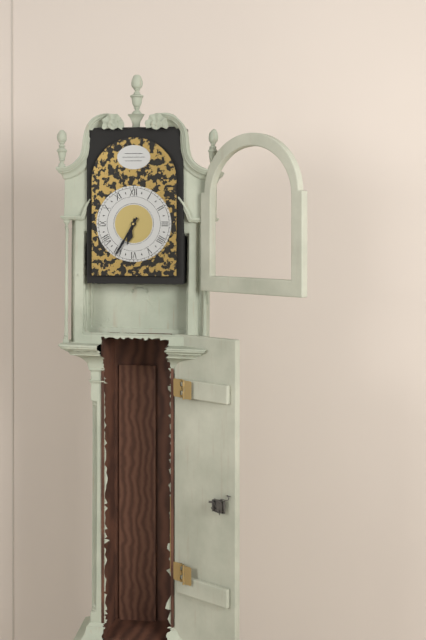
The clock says 6h35
